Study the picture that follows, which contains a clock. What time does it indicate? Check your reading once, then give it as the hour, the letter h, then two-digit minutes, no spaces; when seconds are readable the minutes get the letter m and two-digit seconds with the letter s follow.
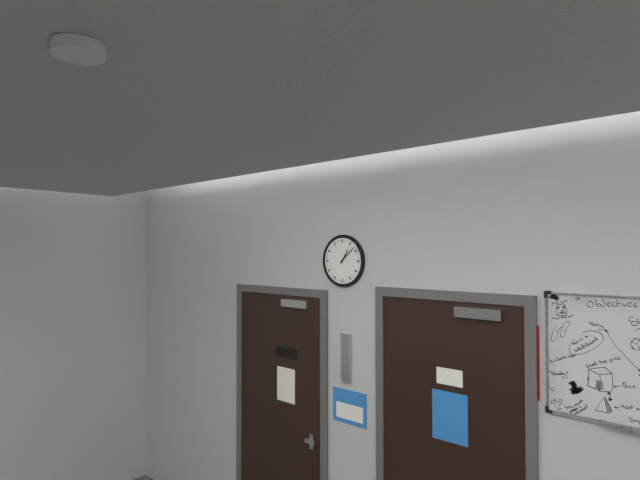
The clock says 1h08
